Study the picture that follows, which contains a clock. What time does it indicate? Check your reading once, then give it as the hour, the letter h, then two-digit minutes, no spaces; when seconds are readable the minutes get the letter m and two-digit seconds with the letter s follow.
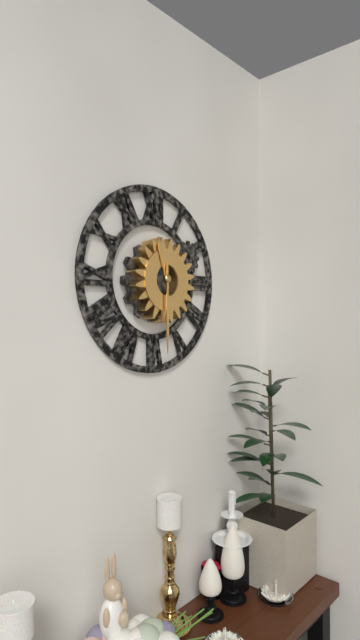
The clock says 11h30
